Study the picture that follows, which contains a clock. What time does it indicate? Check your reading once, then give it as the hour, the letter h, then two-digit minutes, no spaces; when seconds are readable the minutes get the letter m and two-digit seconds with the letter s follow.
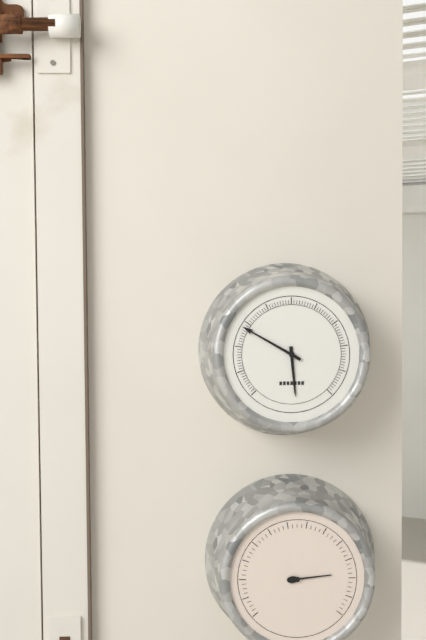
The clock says 5h50
